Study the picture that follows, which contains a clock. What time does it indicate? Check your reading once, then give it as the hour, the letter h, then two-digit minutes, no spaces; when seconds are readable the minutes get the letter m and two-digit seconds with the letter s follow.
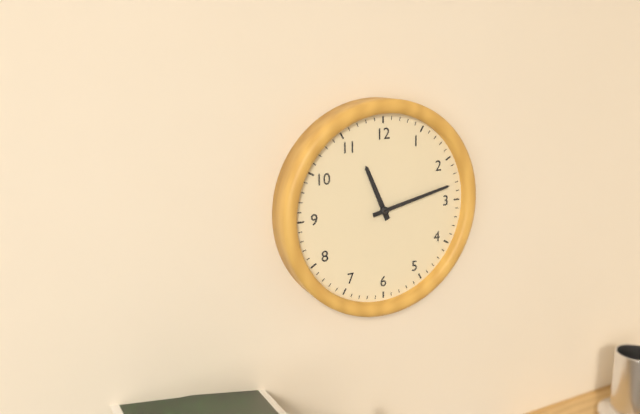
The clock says 11h13
